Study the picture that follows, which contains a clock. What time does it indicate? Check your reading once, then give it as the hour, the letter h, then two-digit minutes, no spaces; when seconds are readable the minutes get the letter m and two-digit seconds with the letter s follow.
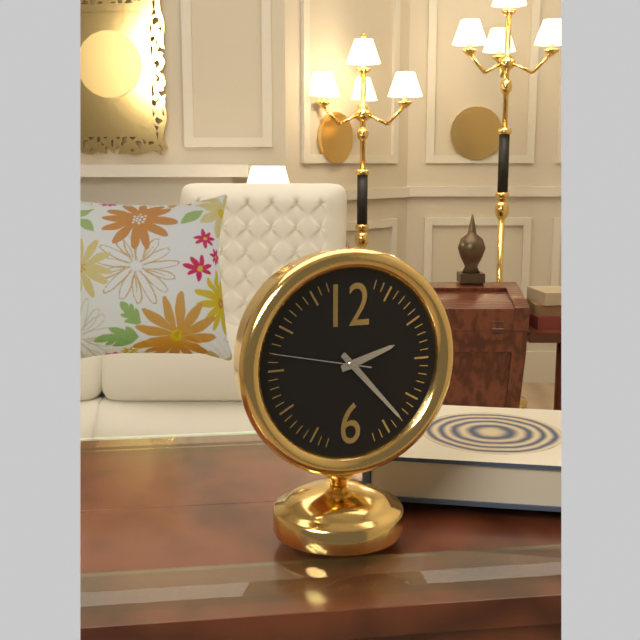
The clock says 2h23m47s
